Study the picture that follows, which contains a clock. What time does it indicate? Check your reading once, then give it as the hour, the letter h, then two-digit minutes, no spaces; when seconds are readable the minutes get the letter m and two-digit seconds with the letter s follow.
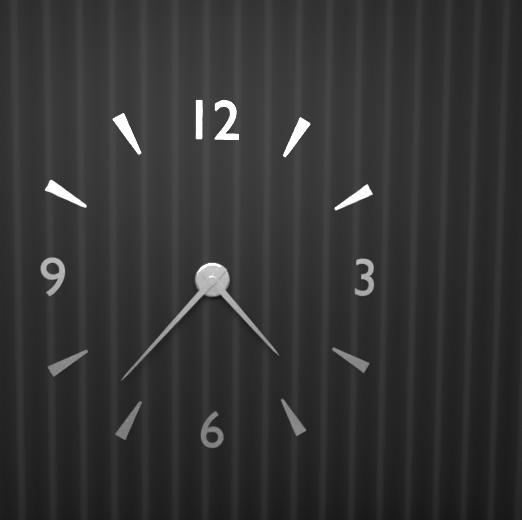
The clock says 4h37
